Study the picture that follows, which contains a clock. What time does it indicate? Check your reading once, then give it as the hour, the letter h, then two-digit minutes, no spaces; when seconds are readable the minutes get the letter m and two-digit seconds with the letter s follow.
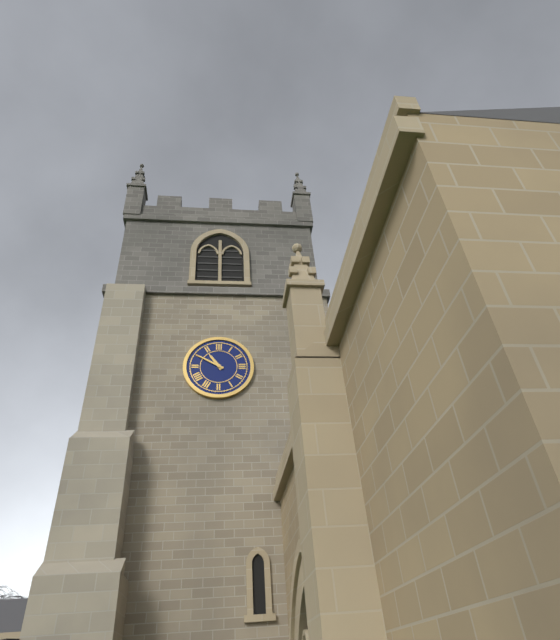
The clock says 10h50
